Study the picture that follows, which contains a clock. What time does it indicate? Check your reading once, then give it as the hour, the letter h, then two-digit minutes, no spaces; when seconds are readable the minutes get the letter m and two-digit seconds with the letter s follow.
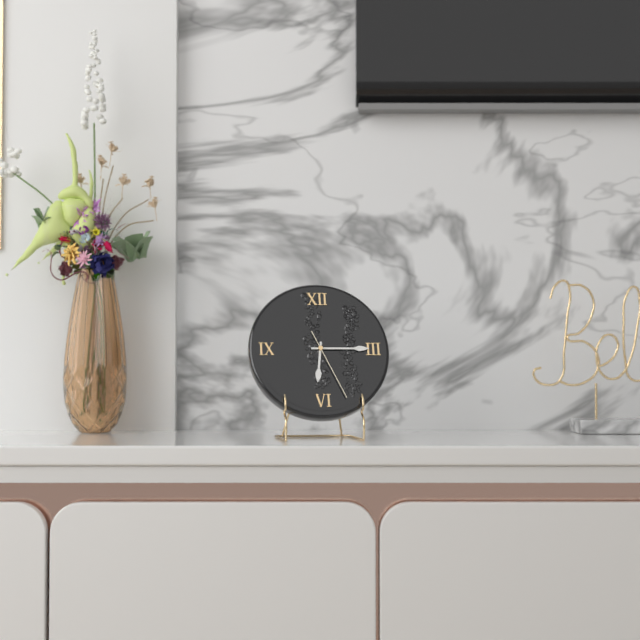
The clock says 6h15m26s
